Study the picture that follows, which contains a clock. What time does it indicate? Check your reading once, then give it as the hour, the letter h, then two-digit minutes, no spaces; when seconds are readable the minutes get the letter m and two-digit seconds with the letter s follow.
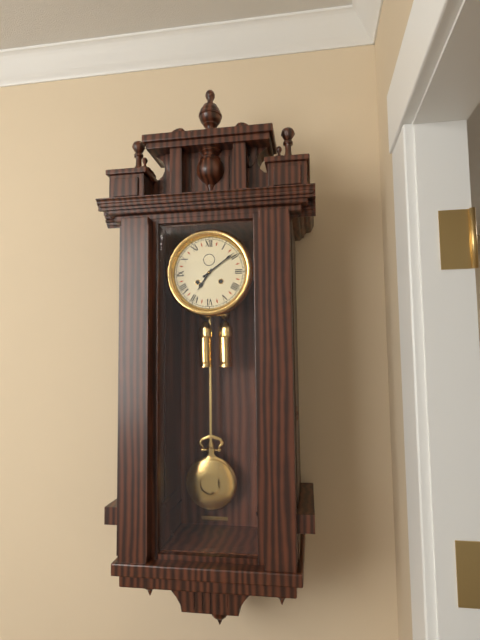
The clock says 7h09
